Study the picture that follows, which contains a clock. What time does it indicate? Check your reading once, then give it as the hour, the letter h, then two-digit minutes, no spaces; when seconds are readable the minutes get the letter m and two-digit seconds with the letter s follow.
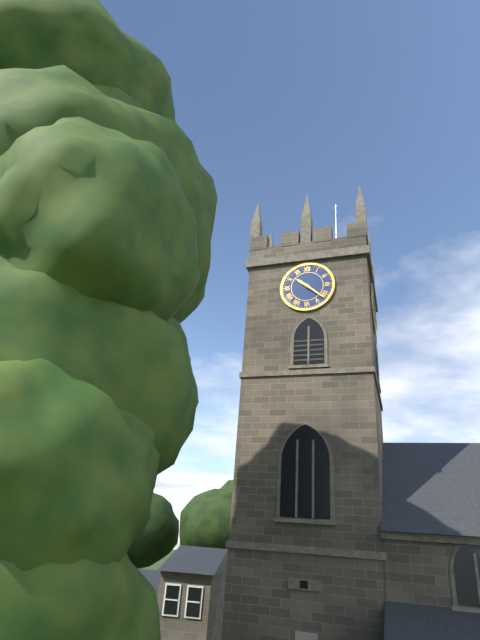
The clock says 10h22
